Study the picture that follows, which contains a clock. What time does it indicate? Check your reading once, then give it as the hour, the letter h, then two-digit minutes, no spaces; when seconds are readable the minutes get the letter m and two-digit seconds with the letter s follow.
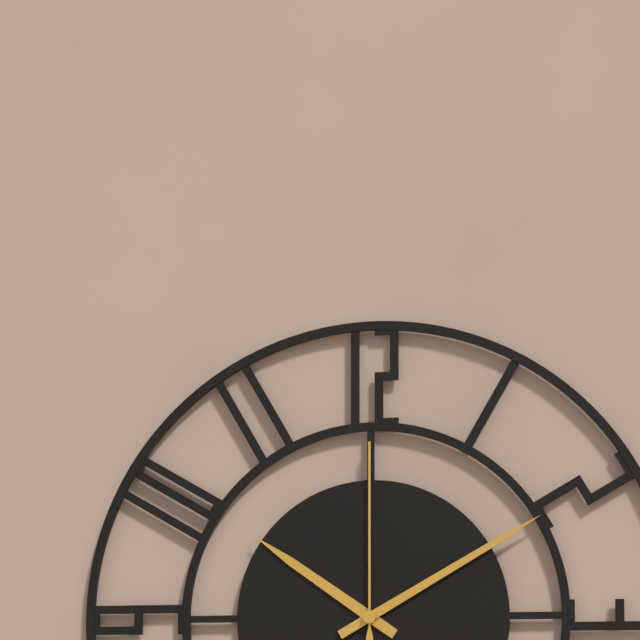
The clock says 10h10m00s
